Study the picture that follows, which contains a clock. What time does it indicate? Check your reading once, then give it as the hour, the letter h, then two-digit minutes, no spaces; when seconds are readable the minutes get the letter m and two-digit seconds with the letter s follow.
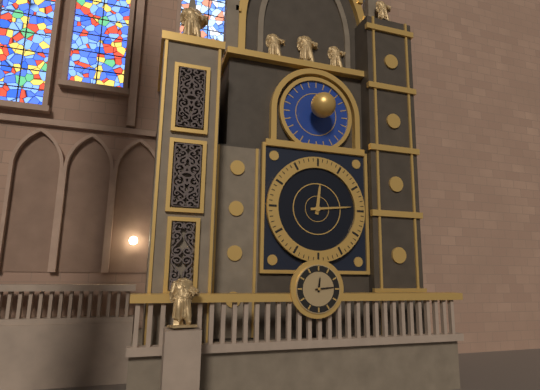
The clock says 12h14
